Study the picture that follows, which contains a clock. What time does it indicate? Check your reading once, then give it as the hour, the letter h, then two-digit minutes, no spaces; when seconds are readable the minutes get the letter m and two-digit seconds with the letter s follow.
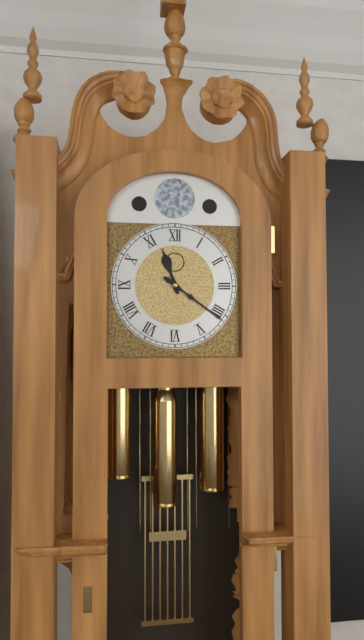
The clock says 11h21
